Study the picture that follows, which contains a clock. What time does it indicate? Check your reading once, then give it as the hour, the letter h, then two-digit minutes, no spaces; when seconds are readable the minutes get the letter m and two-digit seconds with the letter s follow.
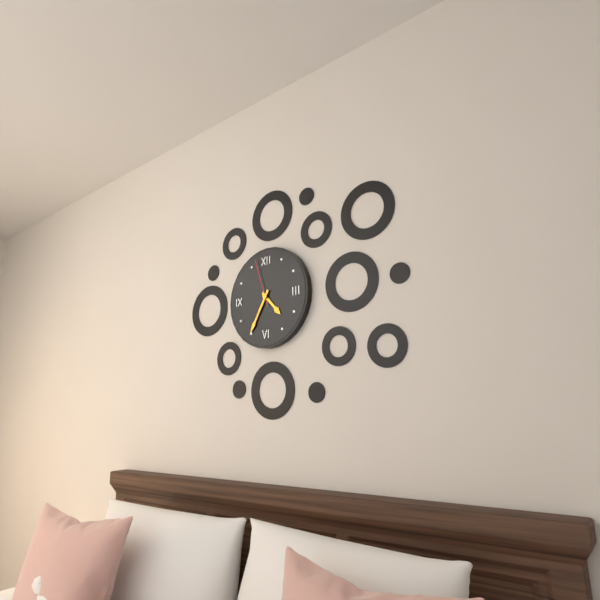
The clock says 4h35
